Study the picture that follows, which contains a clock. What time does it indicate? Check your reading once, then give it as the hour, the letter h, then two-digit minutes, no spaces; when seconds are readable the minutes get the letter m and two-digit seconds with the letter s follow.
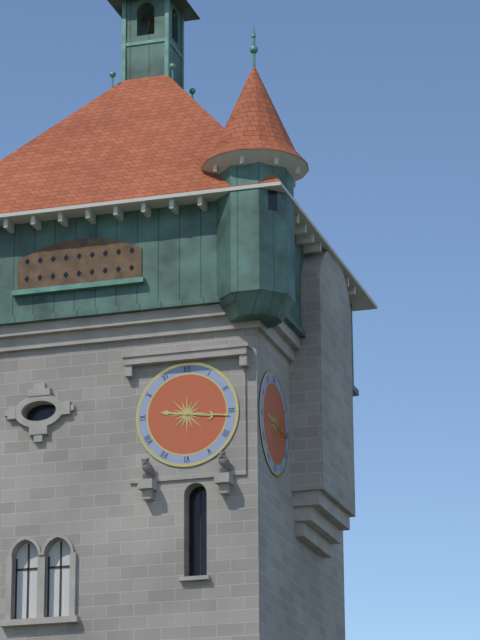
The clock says 9h16
